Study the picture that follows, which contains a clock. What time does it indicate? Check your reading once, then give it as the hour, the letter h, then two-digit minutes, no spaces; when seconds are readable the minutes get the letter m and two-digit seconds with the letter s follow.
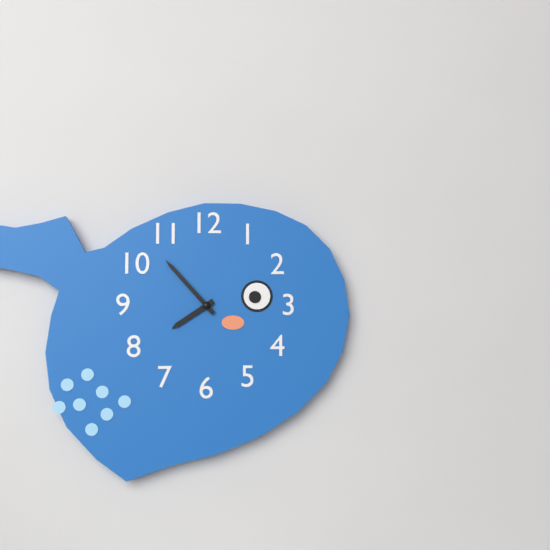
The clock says 7h53
